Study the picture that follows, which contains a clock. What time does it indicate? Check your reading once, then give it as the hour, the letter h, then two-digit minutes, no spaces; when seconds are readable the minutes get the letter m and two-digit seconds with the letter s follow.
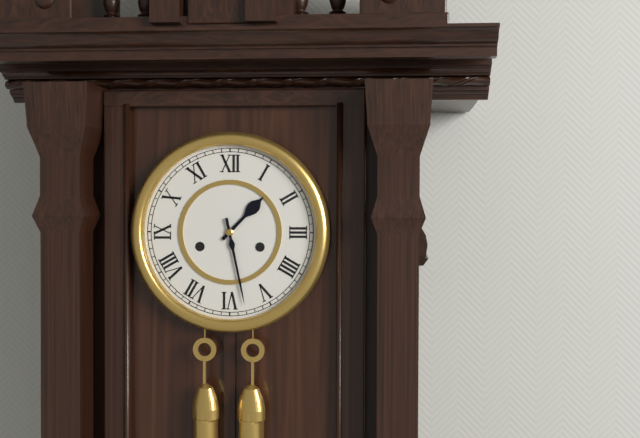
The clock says 1h28
